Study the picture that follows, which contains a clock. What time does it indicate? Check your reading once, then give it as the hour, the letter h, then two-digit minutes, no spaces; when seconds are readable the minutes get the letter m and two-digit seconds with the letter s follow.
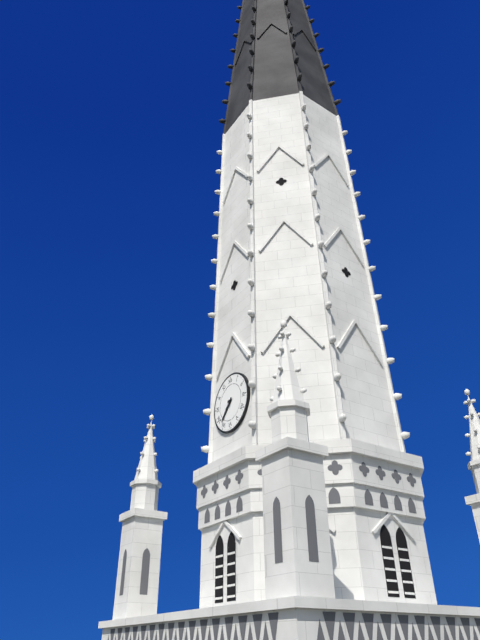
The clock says 7h37
